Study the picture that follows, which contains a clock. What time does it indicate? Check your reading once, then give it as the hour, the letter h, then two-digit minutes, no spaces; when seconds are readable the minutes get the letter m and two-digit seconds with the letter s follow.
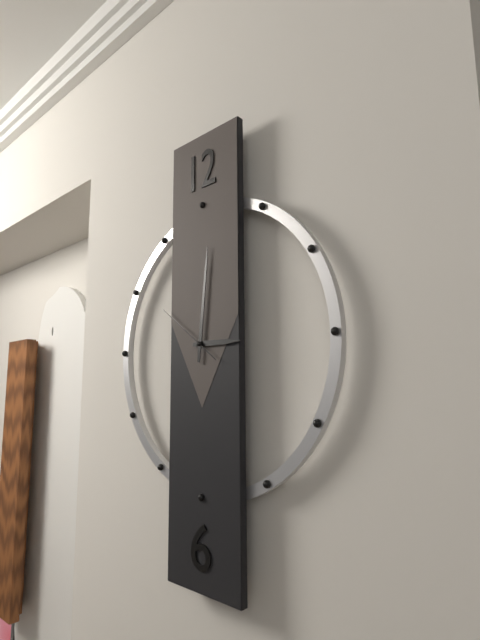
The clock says 3h01m51s
